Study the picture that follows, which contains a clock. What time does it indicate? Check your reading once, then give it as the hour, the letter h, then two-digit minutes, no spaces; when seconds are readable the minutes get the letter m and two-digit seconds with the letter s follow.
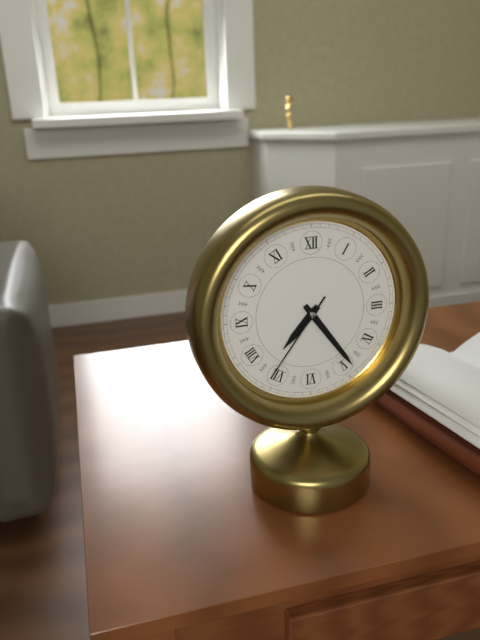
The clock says 7h24m36s
